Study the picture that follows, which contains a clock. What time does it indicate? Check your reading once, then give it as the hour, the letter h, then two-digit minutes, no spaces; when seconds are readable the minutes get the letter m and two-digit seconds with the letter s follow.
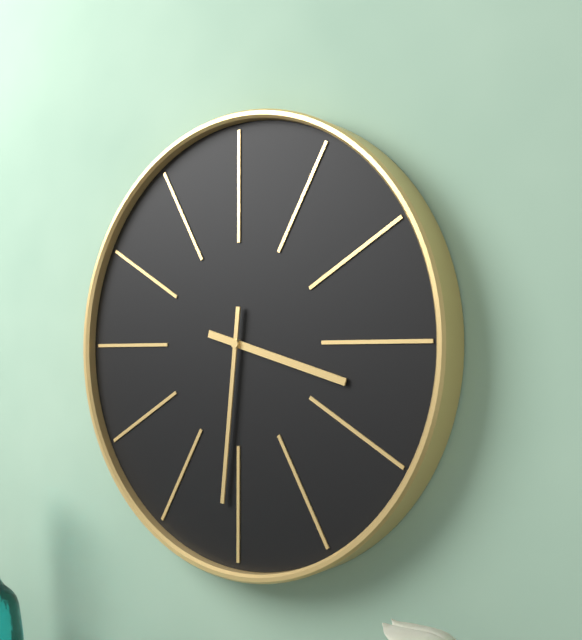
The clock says 3h31
